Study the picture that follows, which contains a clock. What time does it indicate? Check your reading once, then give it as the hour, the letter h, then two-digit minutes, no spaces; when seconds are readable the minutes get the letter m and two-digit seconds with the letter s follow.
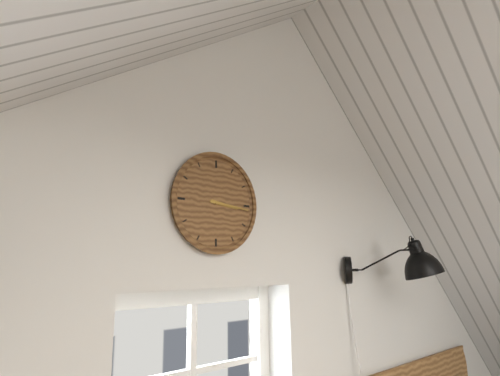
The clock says 3h16
